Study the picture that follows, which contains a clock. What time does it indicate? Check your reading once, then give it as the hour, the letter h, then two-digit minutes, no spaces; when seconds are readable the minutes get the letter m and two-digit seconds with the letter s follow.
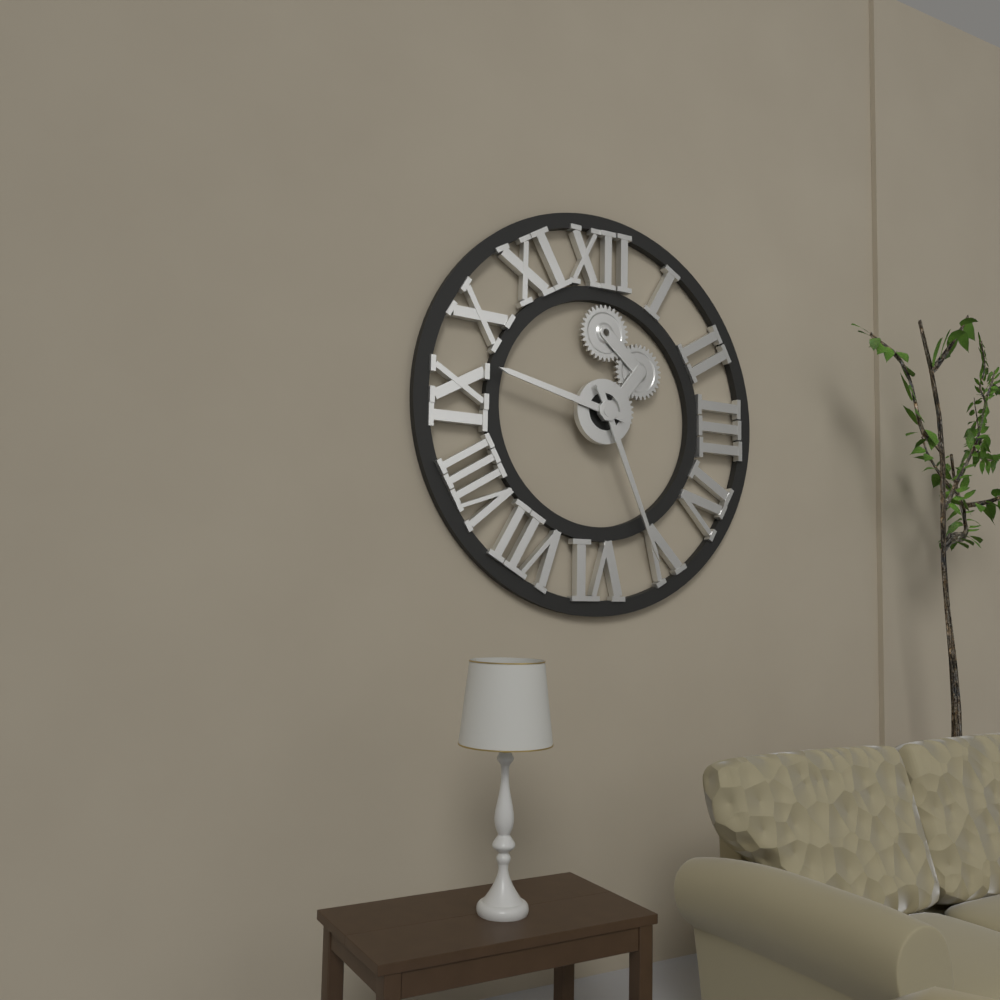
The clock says 9h26
